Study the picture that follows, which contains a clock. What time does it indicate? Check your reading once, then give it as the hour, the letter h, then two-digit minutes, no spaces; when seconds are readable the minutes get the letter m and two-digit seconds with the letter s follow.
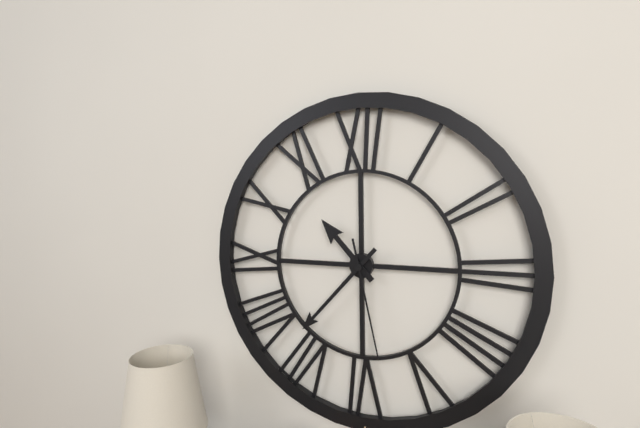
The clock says 10h37m28s
